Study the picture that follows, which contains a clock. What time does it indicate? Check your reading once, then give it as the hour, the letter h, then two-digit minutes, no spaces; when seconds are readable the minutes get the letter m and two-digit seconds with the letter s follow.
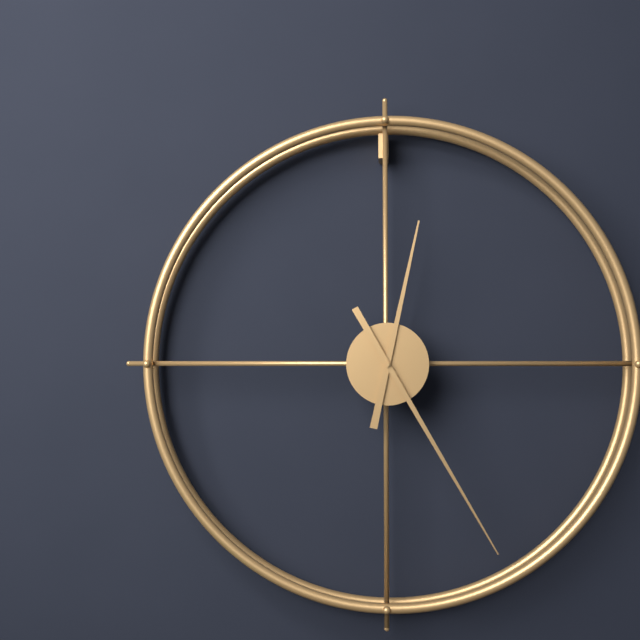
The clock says 12h25
